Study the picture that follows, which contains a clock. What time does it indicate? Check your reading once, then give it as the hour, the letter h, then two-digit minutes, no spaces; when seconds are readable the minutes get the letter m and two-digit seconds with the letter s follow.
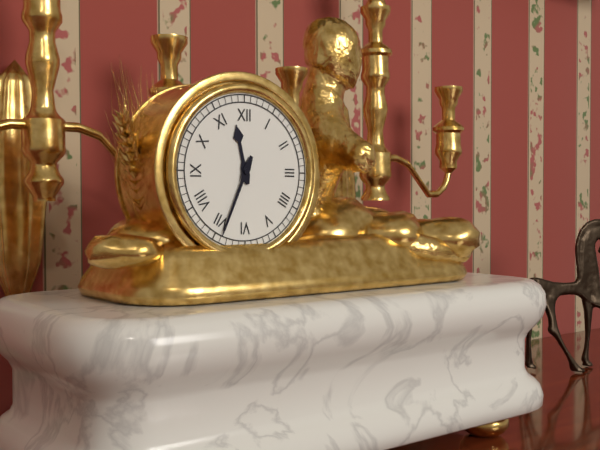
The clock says 11h34
